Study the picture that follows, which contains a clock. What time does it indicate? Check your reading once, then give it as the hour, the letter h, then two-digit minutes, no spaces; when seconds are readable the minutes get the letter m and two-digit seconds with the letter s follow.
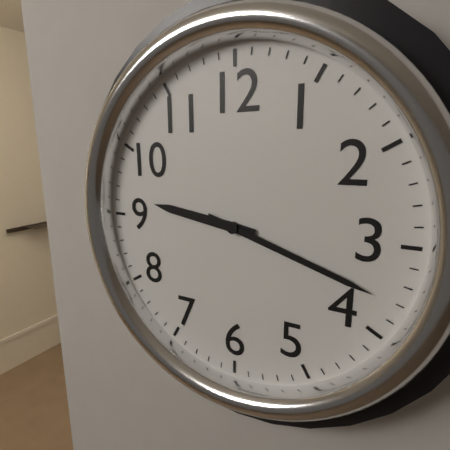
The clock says 9h18
